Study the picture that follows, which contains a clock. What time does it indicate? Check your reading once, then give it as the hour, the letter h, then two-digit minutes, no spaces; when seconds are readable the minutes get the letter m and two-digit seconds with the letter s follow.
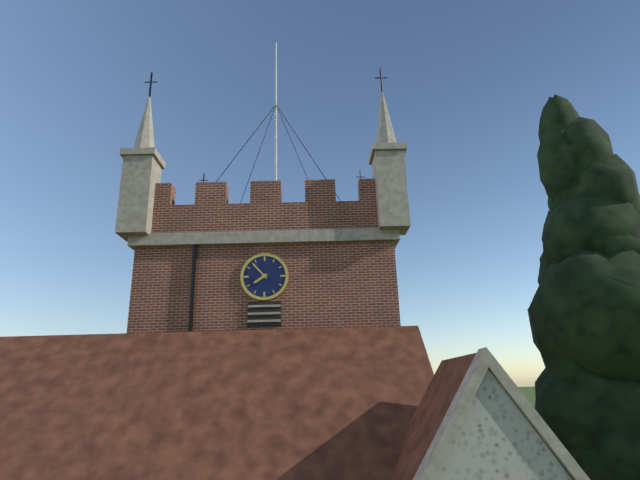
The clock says 7h53
